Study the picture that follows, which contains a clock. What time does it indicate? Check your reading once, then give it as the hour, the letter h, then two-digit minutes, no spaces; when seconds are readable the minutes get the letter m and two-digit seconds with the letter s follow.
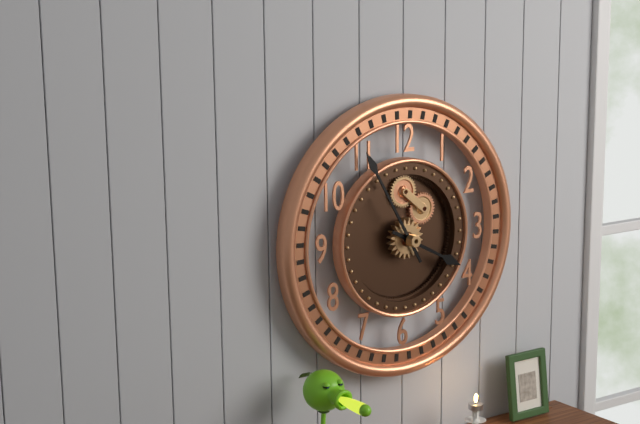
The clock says 3h55
